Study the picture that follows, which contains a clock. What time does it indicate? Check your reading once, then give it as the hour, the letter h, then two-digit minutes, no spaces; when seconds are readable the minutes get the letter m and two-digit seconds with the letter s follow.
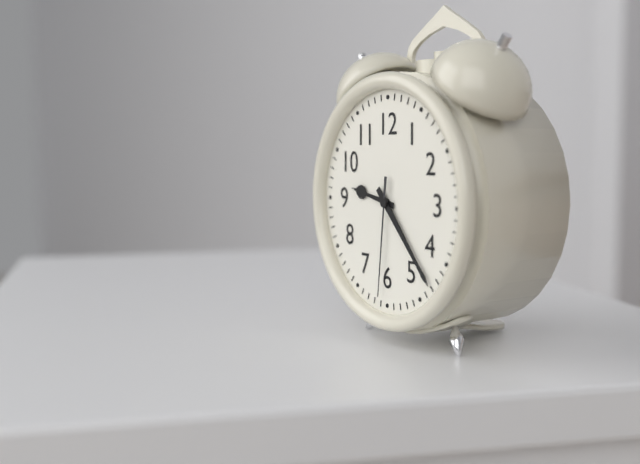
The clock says 9h23m31s
